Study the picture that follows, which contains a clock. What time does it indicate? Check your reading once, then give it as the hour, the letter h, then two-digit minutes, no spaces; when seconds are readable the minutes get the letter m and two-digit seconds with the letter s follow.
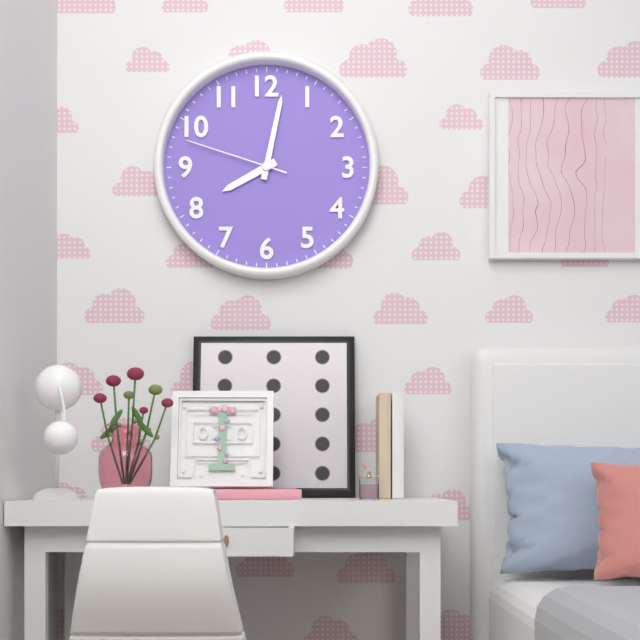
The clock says 8h02m48s
